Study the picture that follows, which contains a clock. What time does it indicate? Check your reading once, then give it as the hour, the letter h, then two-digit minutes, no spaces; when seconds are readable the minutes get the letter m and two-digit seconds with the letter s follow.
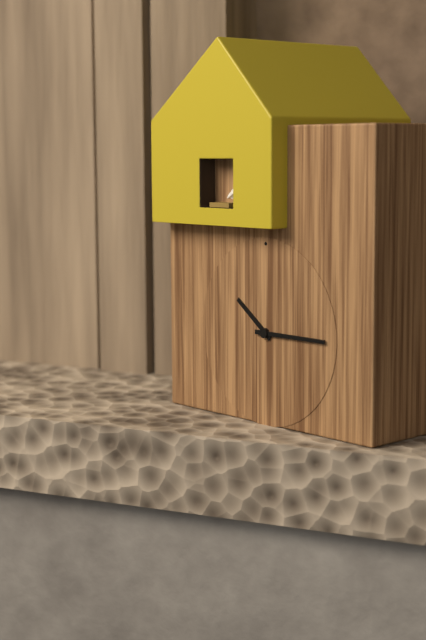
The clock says 10h15
